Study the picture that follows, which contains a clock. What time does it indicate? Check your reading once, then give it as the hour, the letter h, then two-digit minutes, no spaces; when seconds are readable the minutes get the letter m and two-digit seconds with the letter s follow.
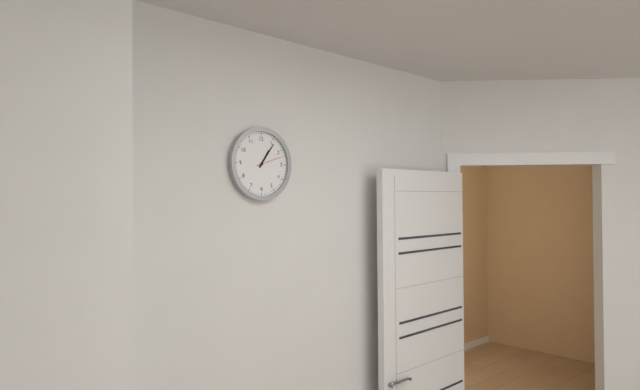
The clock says 1h06
